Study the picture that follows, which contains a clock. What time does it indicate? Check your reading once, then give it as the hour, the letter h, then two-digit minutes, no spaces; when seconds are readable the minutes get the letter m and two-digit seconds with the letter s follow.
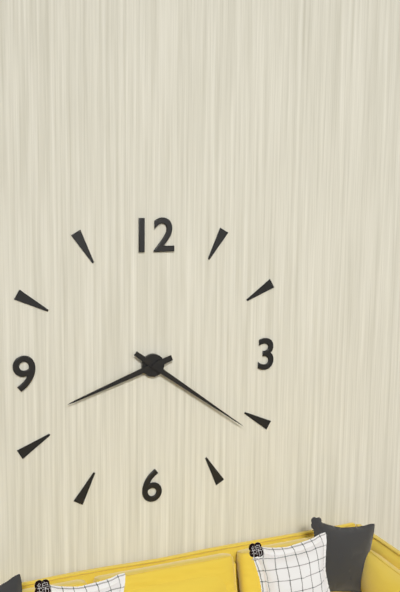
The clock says 8h21
